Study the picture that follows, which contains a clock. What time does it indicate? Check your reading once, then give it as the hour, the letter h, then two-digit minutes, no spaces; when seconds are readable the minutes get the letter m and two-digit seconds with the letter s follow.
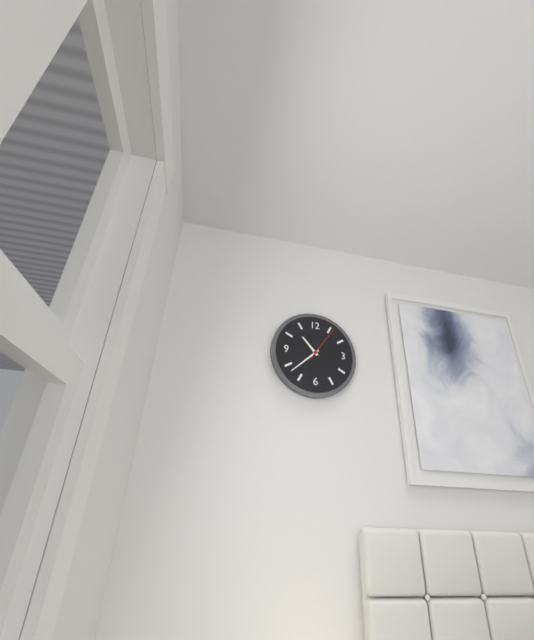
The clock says 10h38
